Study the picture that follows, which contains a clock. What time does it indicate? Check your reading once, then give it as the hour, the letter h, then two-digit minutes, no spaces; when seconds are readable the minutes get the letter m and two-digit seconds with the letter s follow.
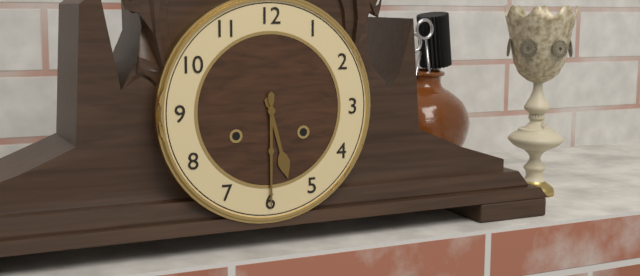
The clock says 5h30
